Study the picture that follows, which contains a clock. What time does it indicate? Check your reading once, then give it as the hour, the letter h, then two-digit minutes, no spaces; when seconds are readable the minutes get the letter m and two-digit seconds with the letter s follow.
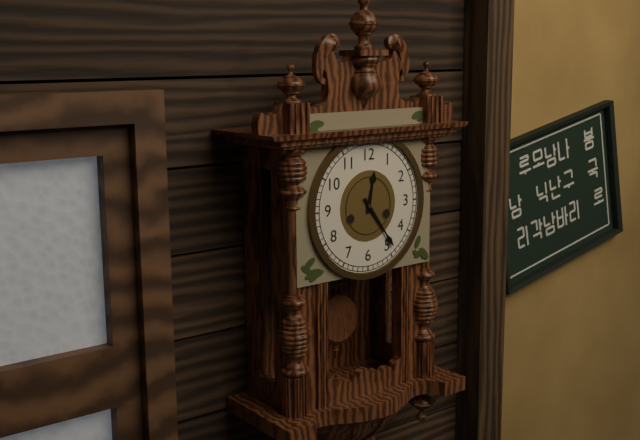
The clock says 12h24
